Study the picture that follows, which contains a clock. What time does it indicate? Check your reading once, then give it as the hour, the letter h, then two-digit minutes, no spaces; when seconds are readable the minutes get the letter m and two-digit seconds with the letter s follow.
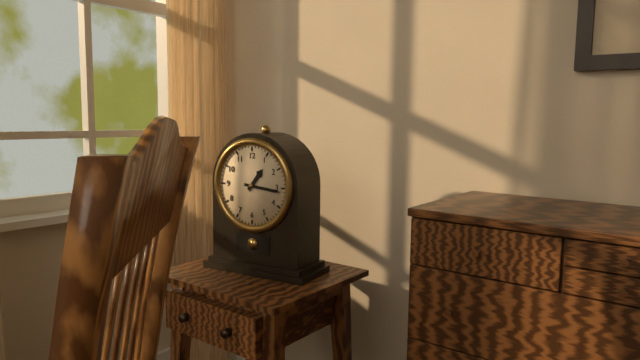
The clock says 1h16
